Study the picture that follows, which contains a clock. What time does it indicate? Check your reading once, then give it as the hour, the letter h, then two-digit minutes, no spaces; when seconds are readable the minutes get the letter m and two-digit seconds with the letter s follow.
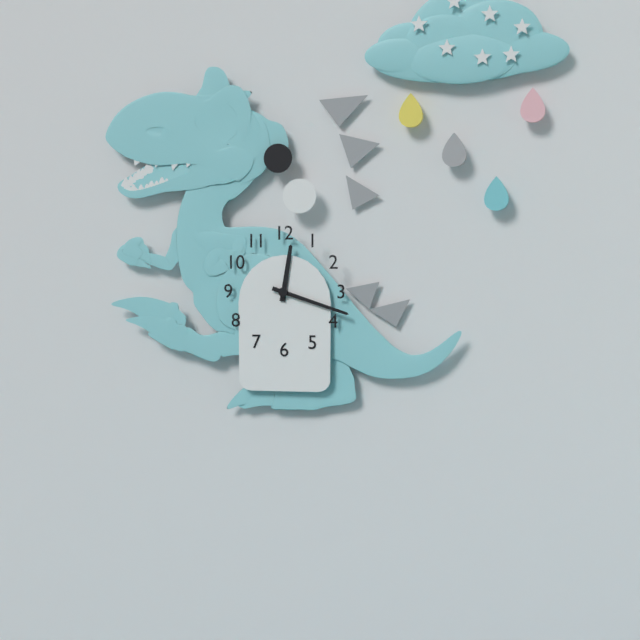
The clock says 12h18
